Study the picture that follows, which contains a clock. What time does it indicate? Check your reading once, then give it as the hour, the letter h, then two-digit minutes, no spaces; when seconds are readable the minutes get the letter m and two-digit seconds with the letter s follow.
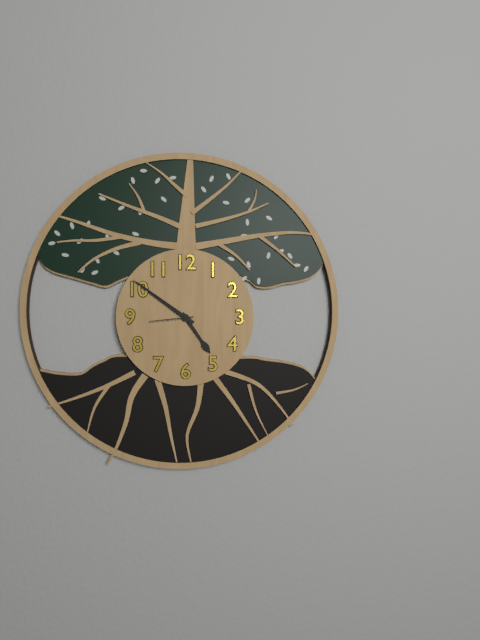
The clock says 4h51
